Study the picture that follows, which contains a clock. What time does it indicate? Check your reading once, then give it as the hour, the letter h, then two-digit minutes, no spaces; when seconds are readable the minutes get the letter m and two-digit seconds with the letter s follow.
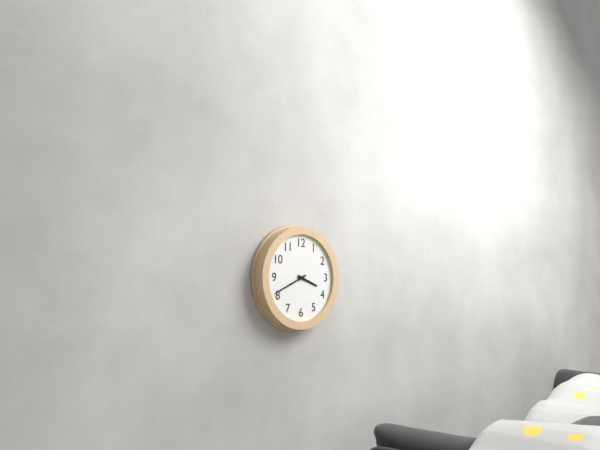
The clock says 3h41
